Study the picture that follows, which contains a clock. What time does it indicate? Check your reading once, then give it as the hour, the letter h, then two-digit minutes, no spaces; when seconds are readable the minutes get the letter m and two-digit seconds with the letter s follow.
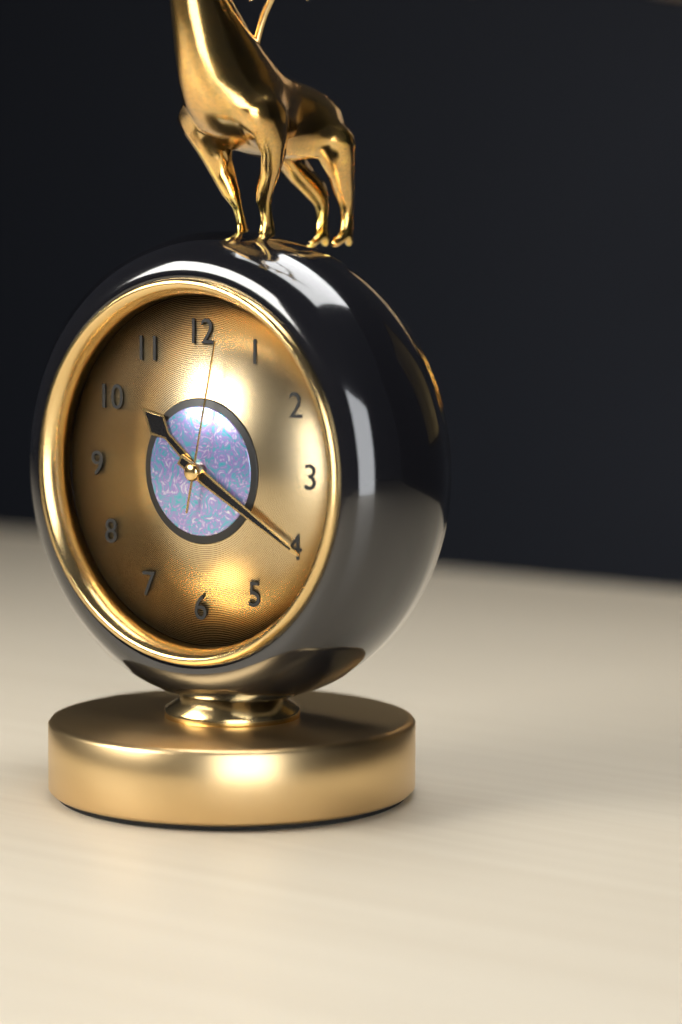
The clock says 10h20m02s
